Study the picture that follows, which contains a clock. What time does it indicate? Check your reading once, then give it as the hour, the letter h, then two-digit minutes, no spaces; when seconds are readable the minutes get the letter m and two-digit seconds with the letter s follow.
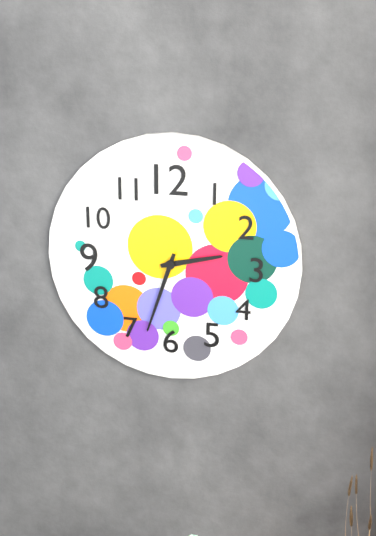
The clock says 2h33
